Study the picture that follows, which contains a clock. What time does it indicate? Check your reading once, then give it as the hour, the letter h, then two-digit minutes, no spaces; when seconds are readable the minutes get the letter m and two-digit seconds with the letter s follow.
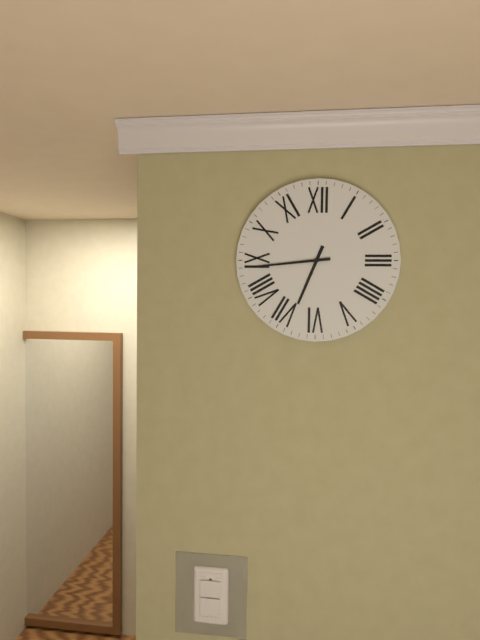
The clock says 6h44
